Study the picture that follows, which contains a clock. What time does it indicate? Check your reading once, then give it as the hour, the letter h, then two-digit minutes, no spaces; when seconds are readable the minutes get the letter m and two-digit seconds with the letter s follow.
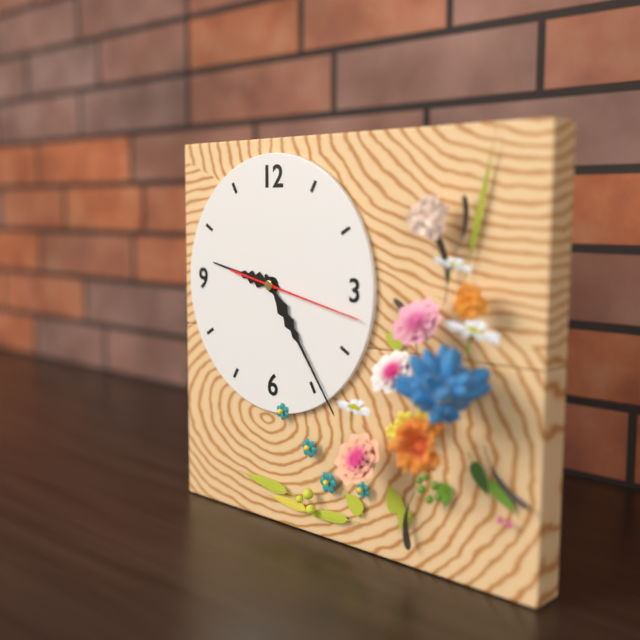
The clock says 9h24m17s
